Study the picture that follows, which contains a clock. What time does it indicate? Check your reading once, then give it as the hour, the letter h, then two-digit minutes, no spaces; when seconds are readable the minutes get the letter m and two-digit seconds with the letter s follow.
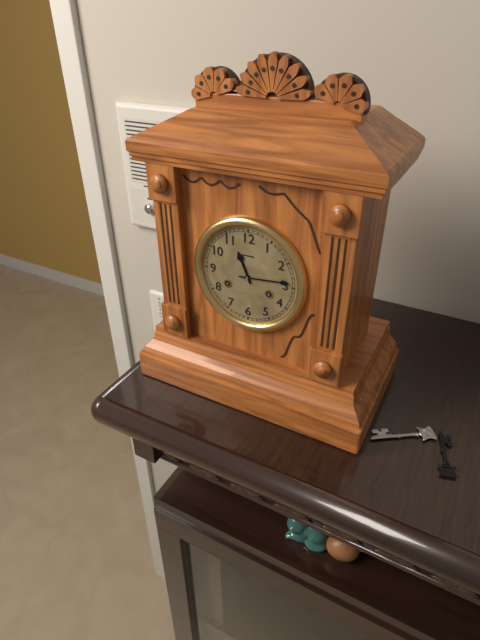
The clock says 11h14
